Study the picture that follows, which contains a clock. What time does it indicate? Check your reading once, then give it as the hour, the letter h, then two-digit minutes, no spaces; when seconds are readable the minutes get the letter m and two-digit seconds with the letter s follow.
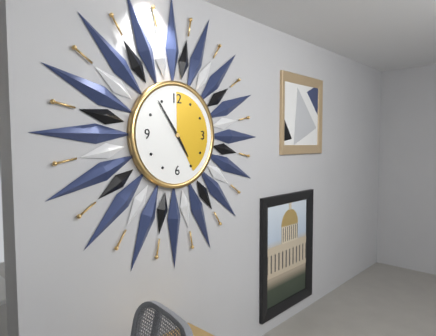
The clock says 4h54
